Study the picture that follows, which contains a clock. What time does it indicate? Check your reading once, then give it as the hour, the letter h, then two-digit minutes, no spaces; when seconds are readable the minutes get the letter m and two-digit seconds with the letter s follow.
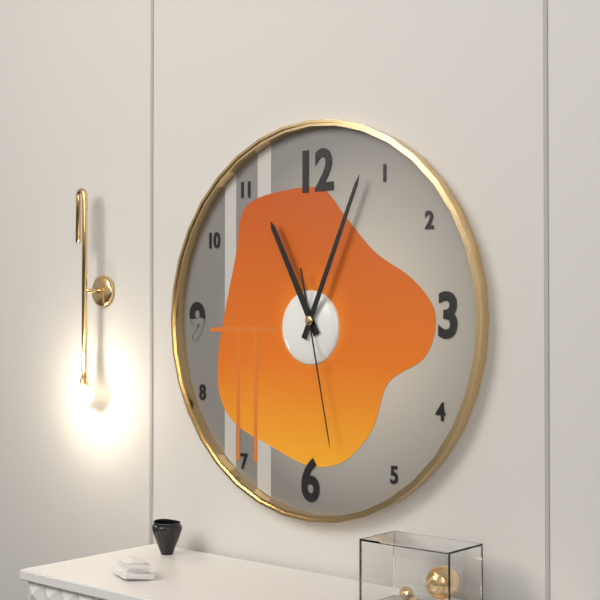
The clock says 11h04m28s
